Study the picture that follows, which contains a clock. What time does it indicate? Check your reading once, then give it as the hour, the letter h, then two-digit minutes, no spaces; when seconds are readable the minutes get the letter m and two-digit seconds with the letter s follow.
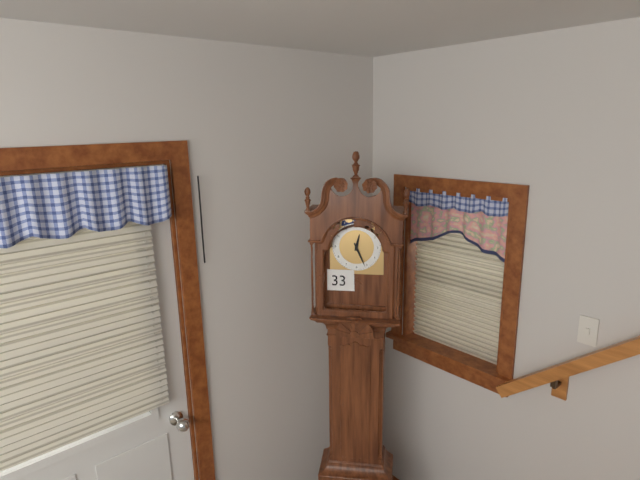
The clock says 12h26
